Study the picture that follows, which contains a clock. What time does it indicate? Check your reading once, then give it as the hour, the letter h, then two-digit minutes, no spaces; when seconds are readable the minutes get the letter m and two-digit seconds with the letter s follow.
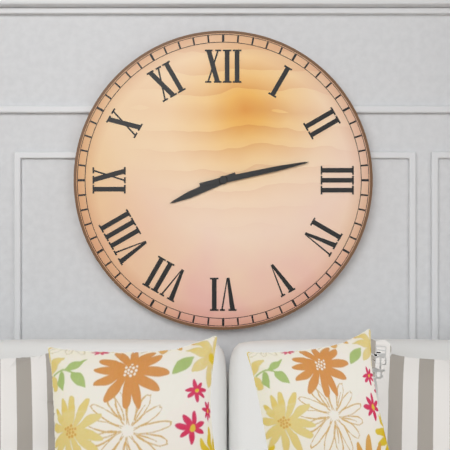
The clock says 8h13
